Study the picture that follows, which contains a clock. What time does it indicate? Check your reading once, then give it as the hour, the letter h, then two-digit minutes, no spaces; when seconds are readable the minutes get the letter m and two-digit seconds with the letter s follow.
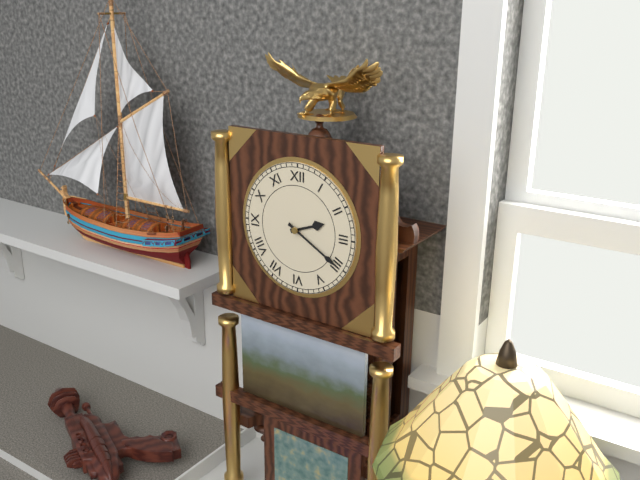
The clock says 2h20
